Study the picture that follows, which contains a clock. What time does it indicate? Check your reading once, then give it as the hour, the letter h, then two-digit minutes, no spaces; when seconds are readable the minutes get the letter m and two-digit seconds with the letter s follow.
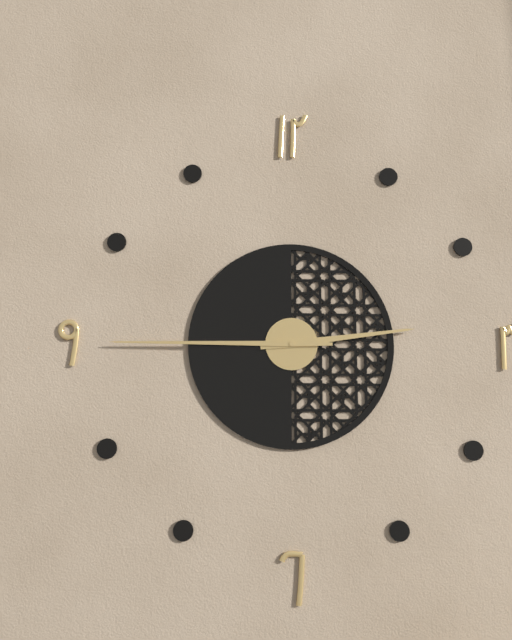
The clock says 2h45
